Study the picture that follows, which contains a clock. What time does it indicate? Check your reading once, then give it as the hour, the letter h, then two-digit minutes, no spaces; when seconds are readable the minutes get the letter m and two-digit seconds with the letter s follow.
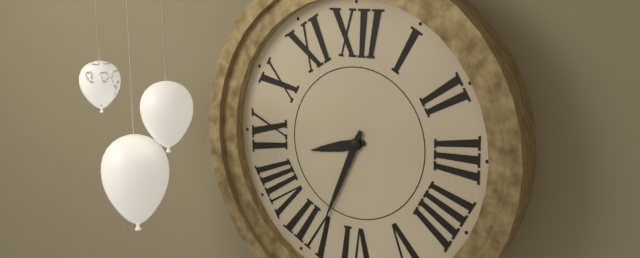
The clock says 8h34
